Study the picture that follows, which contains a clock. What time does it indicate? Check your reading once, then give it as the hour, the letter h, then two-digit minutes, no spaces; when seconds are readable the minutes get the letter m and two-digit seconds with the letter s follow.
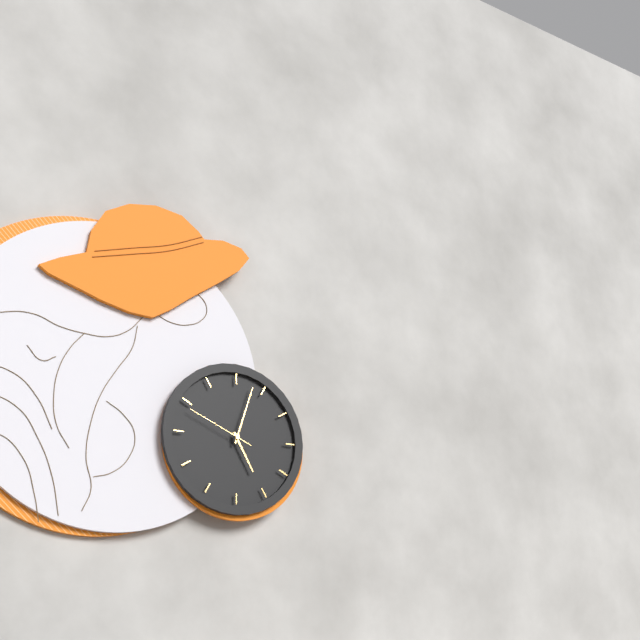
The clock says 5h03m49s
